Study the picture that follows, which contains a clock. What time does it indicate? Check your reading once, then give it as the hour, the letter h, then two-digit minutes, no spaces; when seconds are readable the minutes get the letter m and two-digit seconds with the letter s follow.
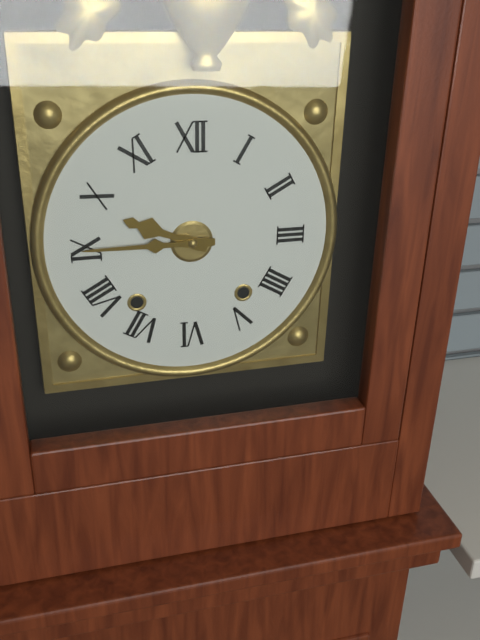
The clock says 9h45
